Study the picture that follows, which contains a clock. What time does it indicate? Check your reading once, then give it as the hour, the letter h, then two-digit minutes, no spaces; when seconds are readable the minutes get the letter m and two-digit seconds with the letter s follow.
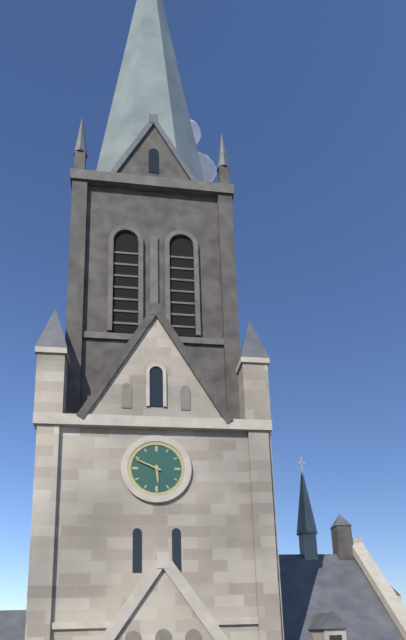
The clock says 5h49
